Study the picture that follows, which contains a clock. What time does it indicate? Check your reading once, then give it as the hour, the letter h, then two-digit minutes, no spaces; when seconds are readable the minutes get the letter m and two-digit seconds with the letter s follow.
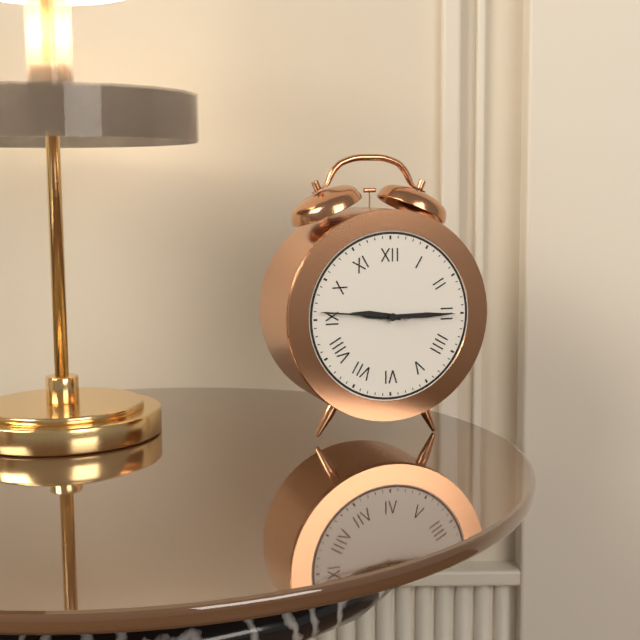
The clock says 9h15m46s
